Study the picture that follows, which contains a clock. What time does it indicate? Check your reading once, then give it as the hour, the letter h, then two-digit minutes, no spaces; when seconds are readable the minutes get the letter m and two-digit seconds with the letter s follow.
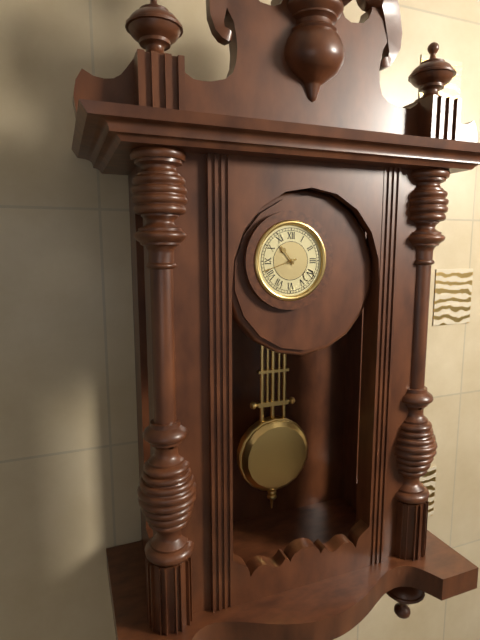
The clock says 10h42
